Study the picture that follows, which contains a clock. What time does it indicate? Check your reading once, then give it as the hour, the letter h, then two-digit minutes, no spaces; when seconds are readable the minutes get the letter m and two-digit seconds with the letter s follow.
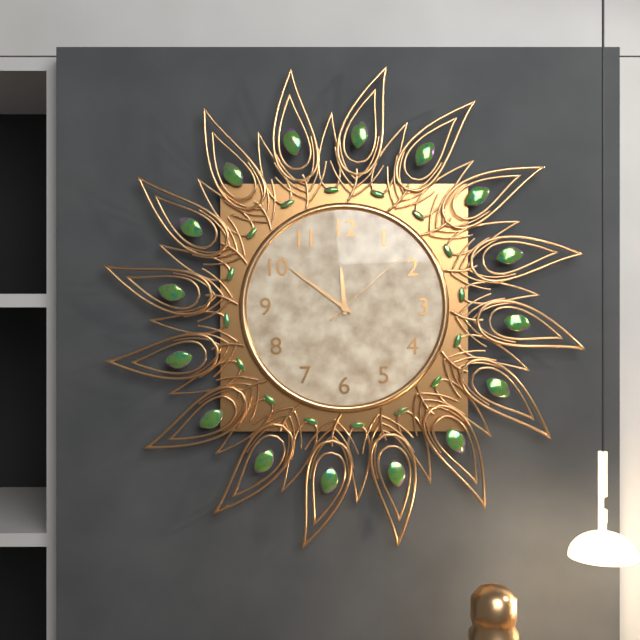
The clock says 11h51m08s
